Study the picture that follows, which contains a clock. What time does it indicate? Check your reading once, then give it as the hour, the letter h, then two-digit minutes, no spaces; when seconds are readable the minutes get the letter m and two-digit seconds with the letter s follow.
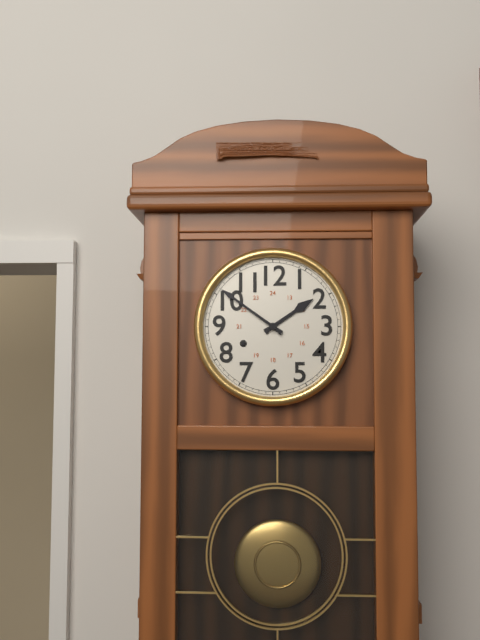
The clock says 1h51
